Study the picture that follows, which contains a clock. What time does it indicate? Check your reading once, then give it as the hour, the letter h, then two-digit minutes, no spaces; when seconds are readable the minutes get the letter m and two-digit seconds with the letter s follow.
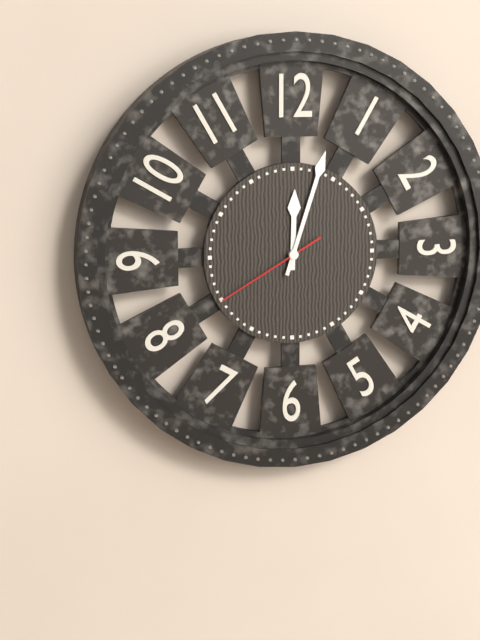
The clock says 12h03m40s
